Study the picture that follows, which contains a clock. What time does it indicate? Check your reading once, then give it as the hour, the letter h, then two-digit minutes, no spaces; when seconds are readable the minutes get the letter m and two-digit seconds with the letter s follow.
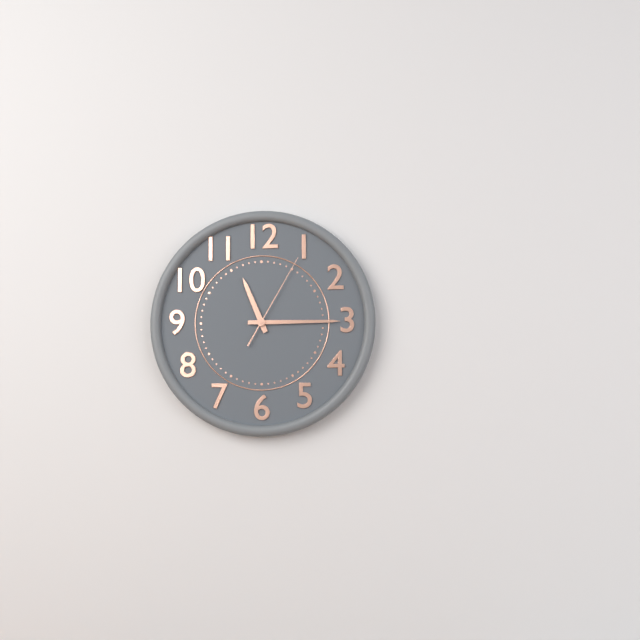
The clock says 11h15m05s
